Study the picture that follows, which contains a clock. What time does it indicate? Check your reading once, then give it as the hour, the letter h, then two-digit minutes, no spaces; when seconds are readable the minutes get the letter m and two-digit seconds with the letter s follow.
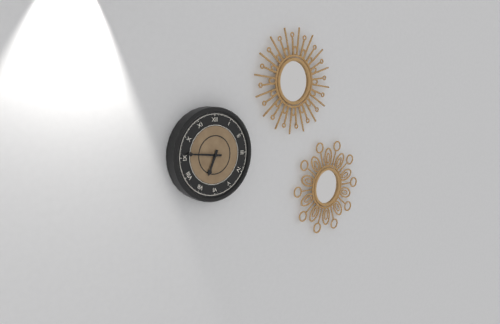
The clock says 6h46
